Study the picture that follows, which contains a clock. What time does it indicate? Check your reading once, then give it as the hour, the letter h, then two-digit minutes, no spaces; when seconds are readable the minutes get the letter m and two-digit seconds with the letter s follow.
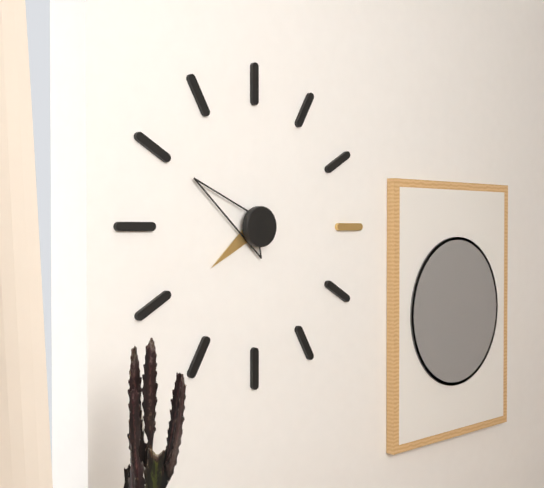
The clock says 7h50
